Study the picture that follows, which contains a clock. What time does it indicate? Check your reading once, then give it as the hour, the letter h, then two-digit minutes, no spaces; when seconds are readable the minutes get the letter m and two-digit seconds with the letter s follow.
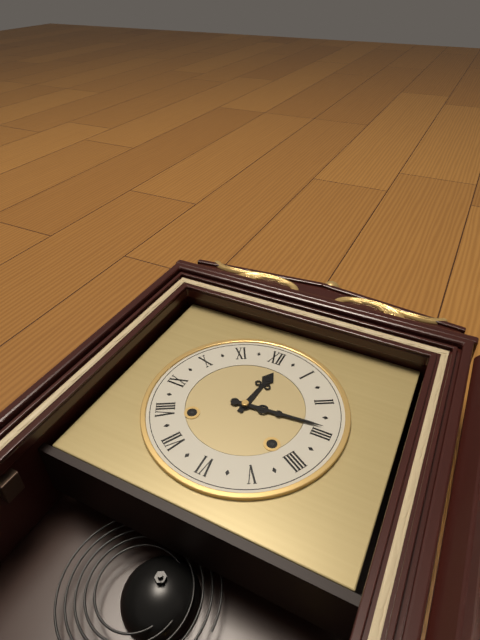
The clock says 12h14
